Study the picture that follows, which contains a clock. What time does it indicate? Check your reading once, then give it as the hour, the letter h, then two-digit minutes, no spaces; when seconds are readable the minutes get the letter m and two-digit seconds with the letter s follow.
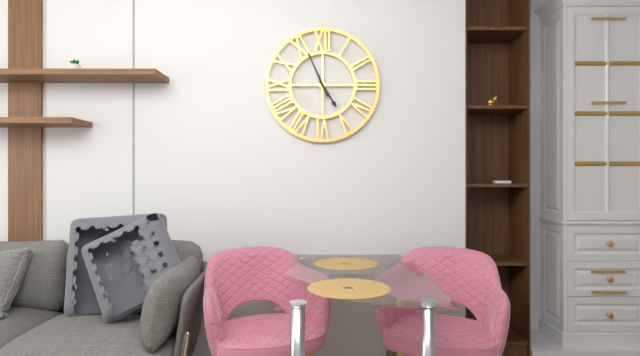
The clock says 4h56
